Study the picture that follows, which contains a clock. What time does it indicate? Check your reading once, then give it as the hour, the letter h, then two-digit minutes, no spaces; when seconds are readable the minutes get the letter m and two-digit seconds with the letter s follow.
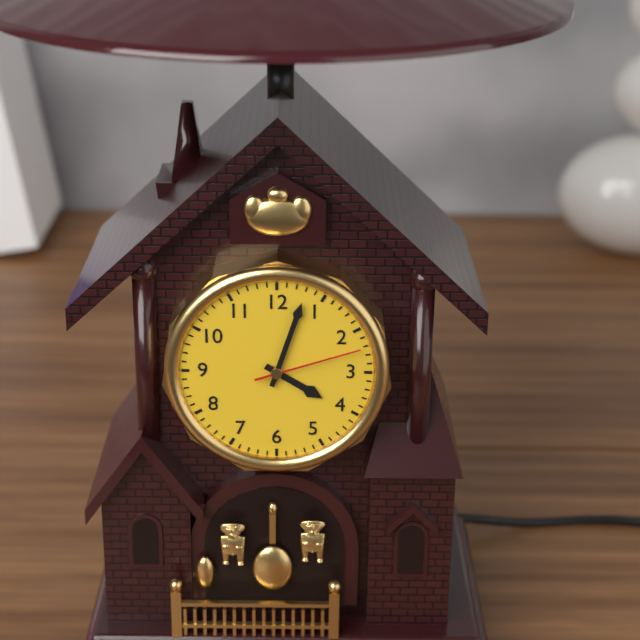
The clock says 4h03m12s
